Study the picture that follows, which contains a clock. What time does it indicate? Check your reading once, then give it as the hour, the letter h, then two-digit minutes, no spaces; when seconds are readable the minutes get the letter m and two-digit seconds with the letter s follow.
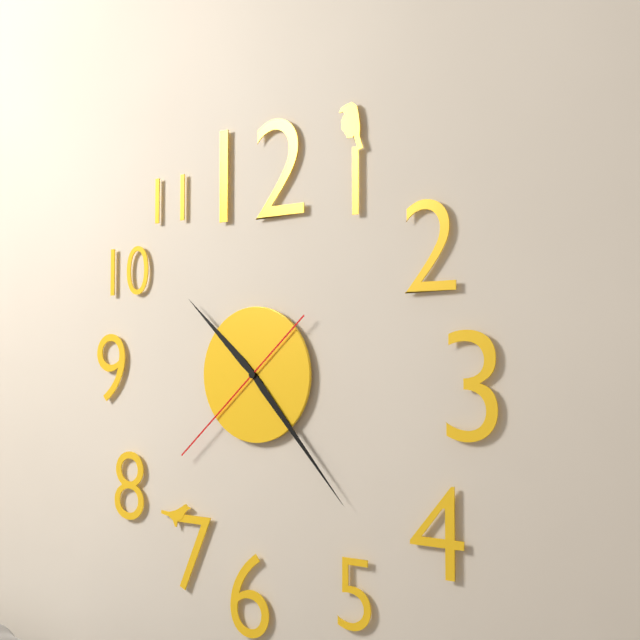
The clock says 10h23m38s
